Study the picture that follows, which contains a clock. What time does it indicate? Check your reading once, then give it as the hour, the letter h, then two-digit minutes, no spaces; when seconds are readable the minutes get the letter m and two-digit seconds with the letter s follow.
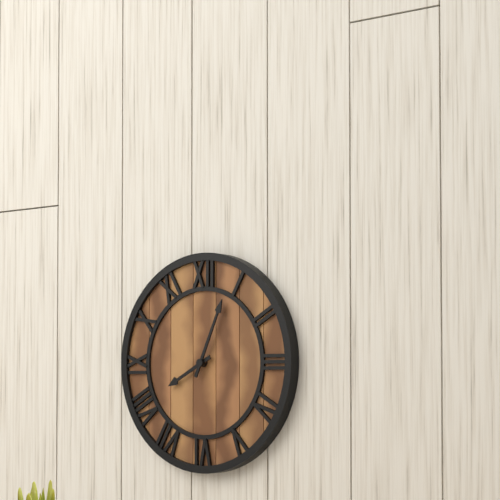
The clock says 8h04
